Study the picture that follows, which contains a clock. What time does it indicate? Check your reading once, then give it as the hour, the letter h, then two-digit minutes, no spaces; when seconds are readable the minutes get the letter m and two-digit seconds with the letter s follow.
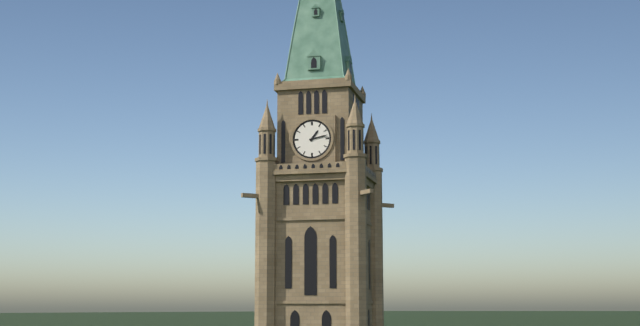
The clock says 1h13
